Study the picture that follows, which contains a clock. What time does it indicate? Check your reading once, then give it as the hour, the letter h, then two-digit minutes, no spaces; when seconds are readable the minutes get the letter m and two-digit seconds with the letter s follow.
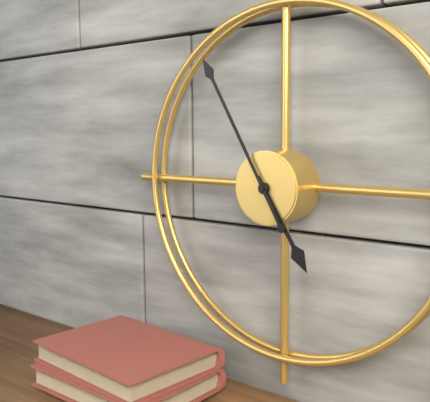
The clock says 4h55
